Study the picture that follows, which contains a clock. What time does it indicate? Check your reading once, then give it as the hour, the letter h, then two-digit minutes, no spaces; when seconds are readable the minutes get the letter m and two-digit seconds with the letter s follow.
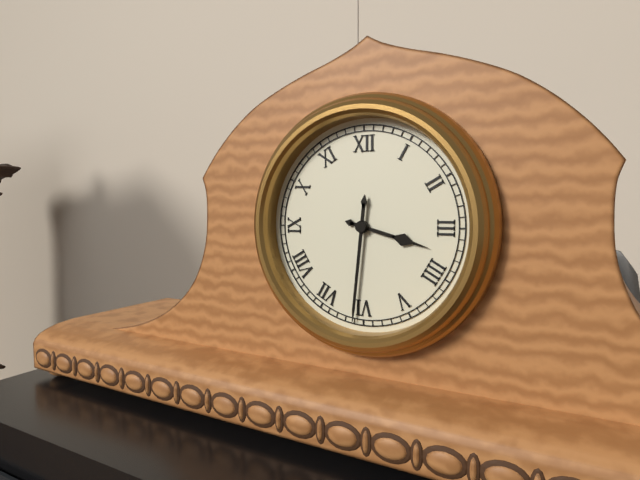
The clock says 3h31
